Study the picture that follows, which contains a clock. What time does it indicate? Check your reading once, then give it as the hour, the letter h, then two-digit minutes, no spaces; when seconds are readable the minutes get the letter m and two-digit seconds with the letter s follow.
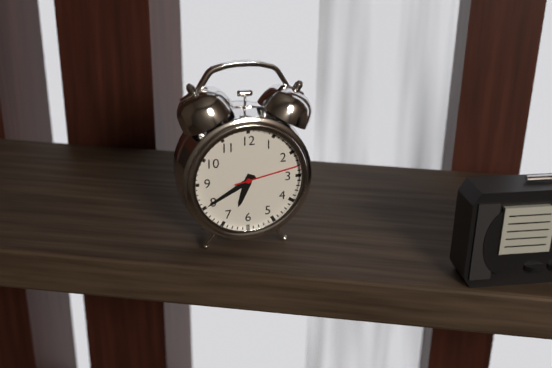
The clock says 6h40m13s
